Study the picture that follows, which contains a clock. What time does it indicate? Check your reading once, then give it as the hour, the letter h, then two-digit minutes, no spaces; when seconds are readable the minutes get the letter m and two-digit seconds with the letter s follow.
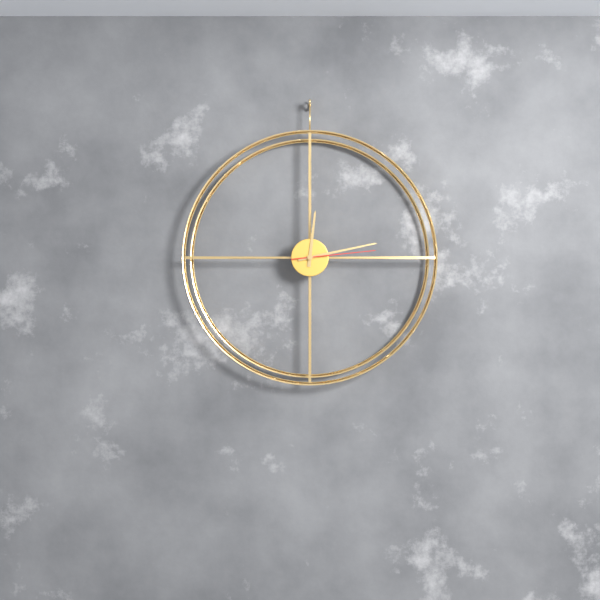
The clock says 12h13m14s
